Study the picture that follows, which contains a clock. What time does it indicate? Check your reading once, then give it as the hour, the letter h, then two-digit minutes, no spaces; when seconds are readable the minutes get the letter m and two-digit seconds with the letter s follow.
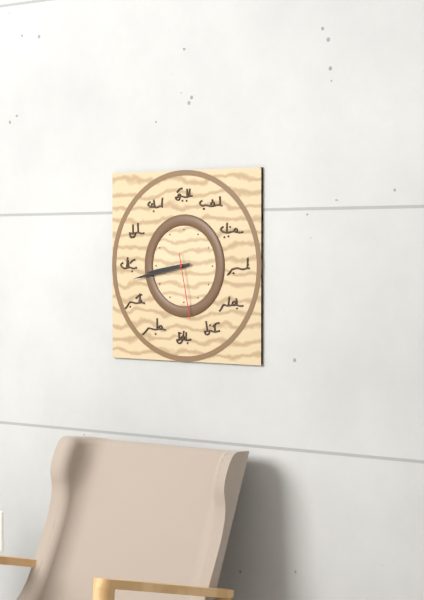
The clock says 8h43m28s
